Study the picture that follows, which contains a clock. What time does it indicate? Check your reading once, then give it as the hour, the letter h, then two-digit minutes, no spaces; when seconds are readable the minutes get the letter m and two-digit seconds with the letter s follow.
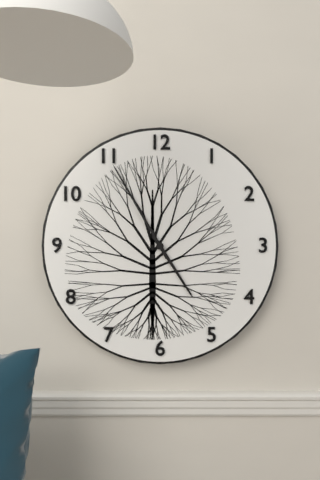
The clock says 4h55
